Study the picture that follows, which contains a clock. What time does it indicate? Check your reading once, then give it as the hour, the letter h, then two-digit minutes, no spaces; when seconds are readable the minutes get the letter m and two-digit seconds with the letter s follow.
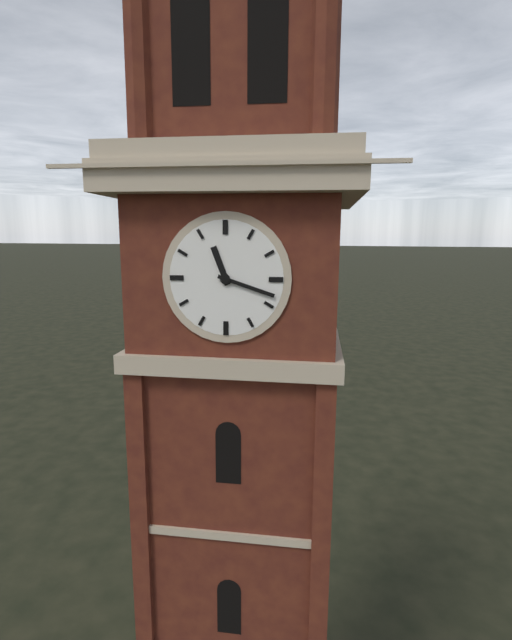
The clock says 11h18
